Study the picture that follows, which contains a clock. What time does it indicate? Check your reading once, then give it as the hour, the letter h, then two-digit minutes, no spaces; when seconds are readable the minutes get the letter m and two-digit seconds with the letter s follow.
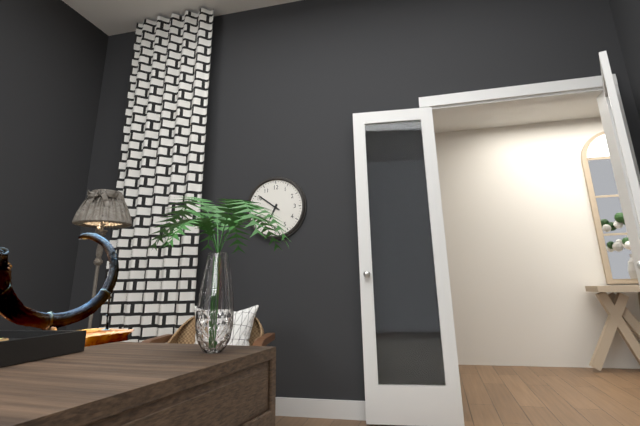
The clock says 6h51
